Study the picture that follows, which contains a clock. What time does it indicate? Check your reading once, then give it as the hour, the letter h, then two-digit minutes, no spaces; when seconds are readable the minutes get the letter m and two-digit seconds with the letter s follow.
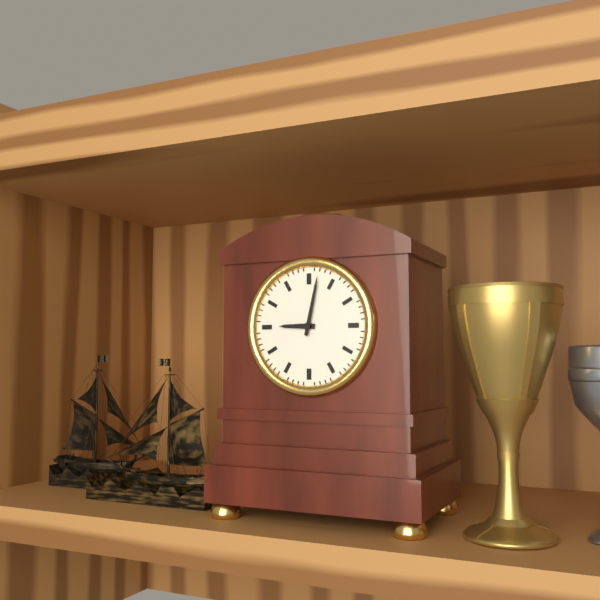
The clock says 9h02
